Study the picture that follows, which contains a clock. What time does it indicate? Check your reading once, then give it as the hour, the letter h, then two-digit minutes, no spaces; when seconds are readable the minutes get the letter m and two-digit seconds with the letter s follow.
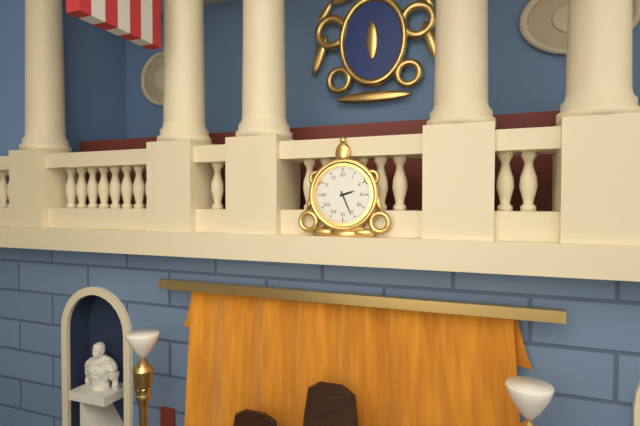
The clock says 2h26
